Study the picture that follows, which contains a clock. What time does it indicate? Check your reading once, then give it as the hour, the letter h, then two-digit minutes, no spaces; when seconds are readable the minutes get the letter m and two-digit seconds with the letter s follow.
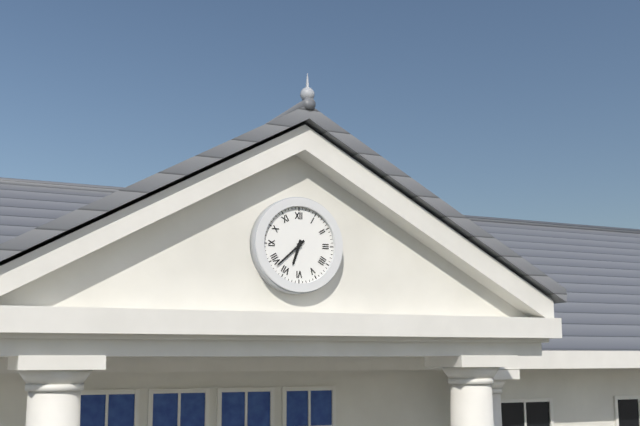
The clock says 6h38
